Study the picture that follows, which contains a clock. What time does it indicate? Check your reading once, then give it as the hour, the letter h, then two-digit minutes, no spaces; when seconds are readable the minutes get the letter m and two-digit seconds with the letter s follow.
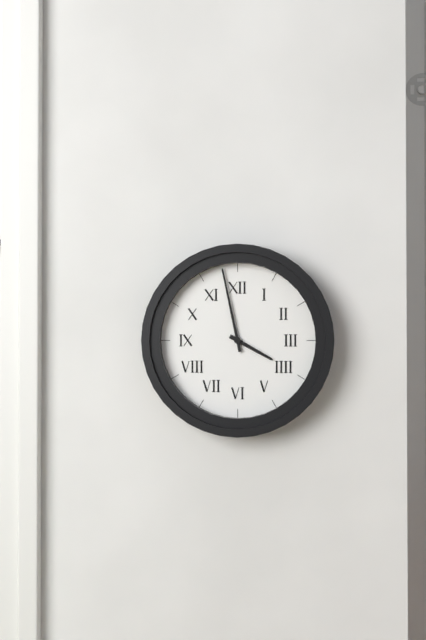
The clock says 3h58
